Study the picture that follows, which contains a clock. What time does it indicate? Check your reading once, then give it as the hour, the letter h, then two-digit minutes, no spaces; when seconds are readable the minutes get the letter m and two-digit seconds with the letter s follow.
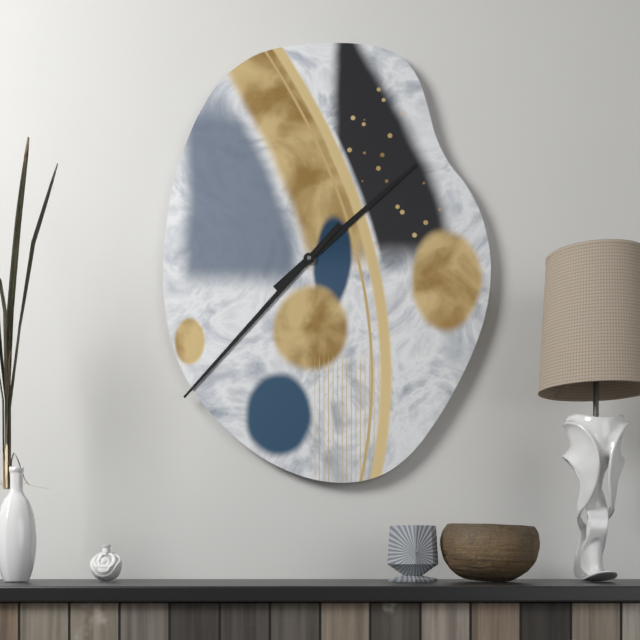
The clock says 1h37
